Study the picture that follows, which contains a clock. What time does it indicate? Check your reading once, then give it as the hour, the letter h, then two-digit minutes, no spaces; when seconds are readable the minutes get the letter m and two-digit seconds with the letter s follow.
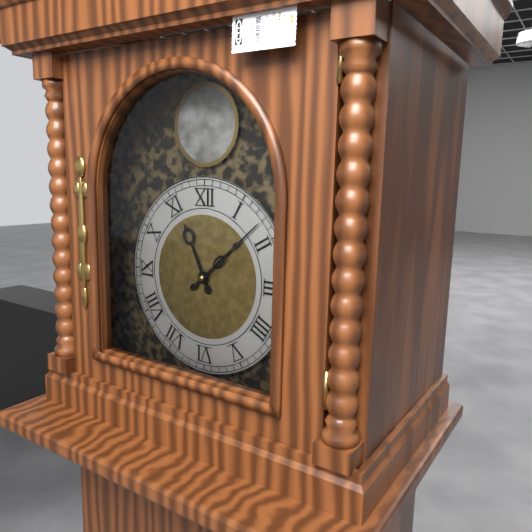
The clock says 11h08
